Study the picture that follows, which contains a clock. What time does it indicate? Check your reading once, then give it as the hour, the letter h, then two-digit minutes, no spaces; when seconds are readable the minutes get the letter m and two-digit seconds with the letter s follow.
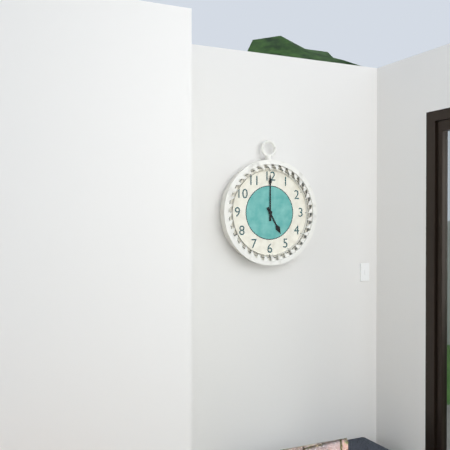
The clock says 5h00
